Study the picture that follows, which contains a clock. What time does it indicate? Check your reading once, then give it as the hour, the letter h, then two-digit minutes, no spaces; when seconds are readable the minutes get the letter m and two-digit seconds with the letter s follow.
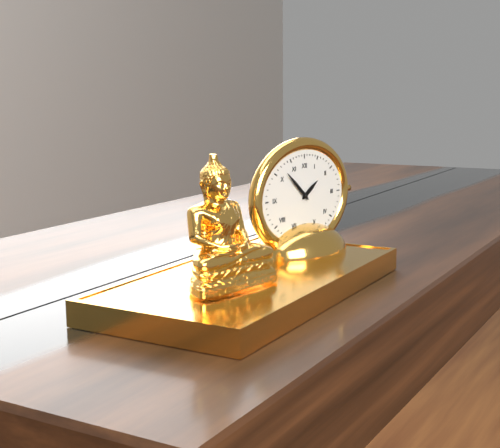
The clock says 1h52
